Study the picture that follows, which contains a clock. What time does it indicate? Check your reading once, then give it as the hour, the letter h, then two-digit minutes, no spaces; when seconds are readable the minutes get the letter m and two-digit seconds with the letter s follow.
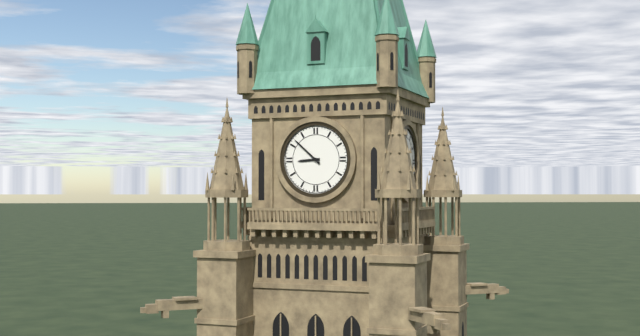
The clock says 8h52
